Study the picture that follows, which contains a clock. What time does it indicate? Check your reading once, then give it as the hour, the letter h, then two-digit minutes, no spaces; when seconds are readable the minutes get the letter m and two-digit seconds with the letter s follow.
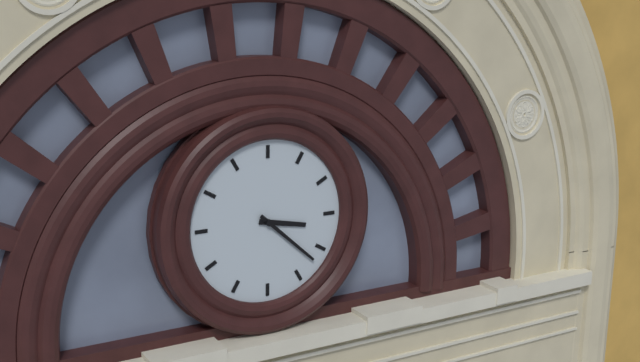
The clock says 3h22
